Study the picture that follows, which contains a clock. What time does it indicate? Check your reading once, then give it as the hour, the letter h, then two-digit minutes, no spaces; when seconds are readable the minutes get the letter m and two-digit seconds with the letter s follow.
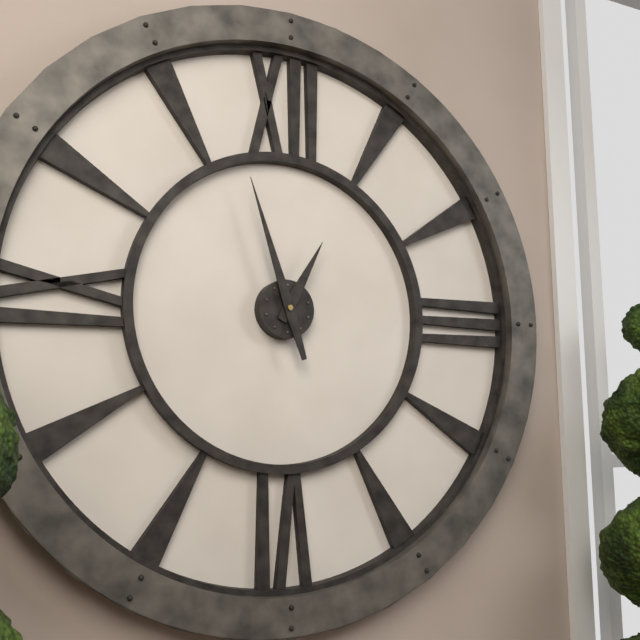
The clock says 12h57
